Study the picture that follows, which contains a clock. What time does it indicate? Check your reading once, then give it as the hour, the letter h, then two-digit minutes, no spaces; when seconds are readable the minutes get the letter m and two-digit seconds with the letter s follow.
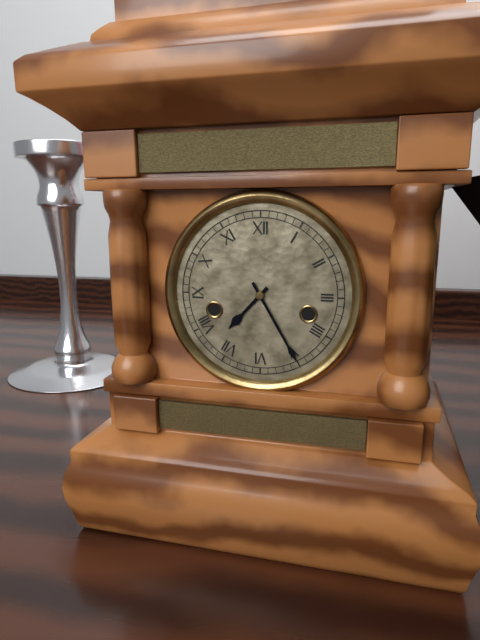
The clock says 7h25
